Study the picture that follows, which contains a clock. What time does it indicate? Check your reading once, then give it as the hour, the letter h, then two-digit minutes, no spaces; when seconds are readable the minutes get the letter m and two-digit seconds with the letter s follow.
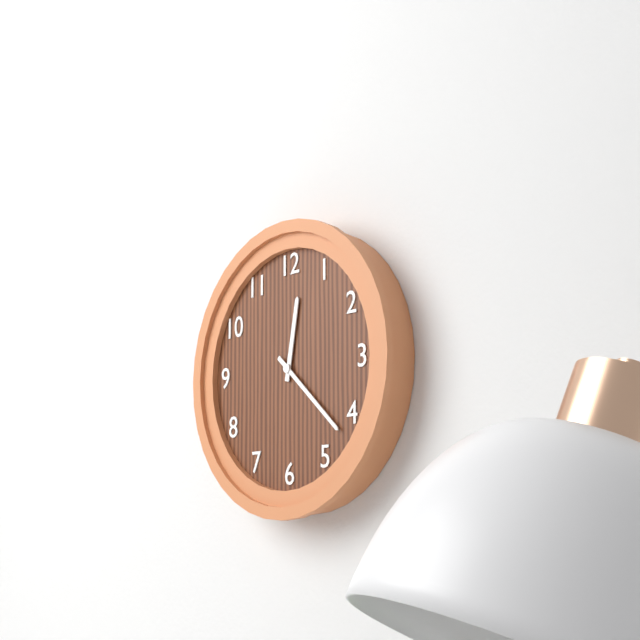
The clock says 12h22
